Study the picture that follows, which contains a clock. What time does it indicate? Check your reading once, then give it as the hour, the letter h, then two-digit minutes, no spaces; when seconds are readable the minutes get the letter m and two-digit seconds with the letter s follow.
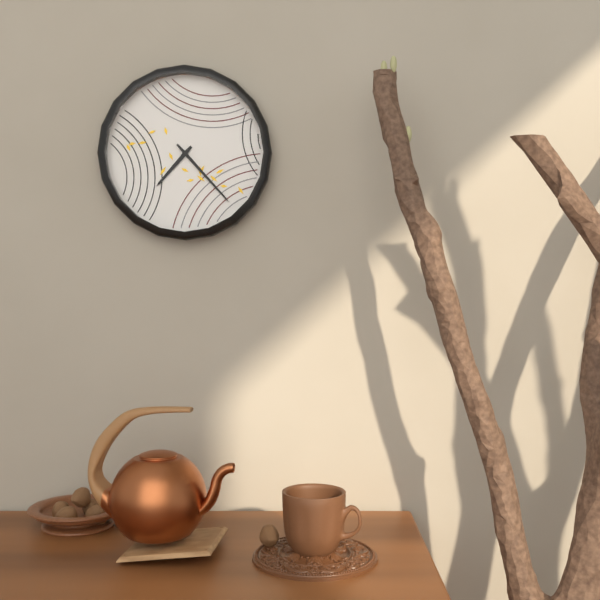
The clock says 7h23
